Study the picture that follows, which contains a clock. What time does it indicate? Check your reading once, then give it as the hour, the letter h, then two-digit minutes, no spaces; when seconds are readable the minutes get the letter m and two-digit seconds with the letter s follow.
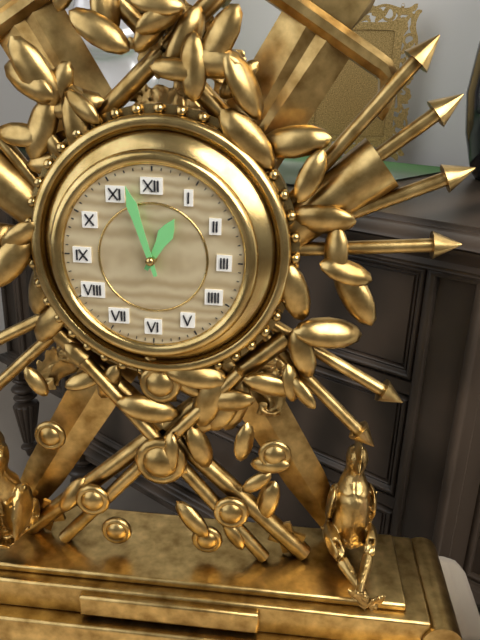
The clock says 12h57
